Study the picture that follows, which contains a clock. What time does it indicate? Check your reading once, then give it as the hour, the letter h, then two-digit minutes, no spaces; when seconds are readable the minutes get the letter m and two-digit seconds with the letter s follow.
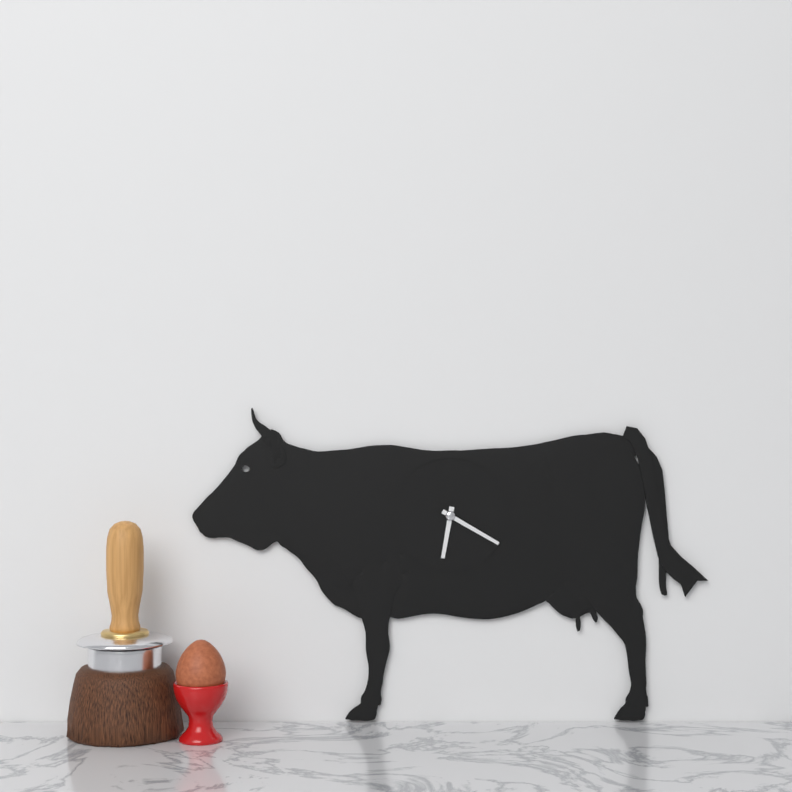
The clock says 6h20
